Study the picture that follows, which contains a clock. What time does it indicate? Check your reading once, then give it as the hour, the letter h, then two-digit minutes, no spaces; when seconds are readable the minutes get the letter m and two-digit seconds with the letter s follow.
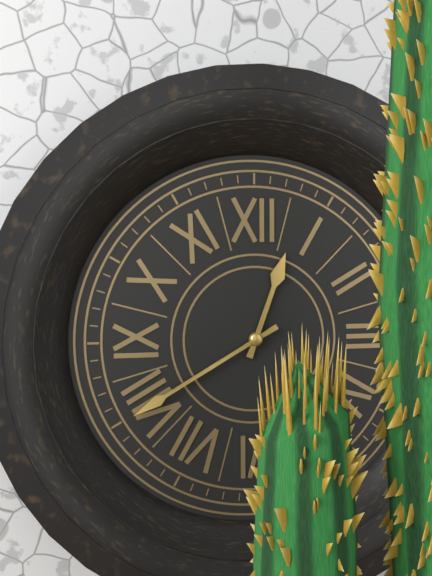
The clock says 12h40
